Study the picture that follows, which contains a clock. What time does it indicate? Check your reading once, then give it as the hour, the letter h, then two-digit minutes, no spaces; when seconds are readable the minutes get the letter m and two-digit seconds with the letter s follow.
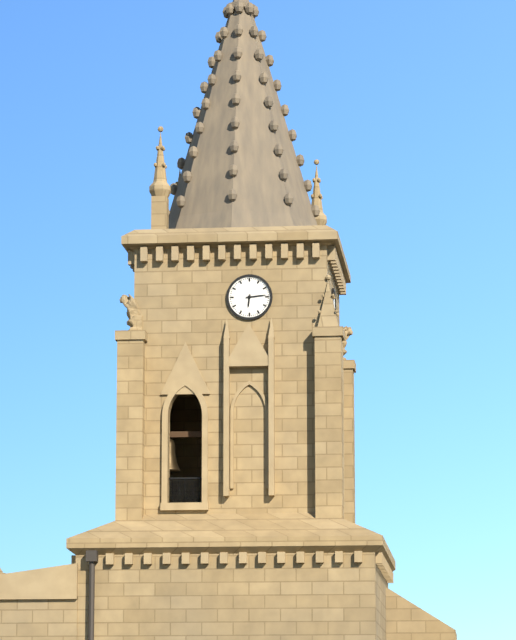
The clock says 6h14
